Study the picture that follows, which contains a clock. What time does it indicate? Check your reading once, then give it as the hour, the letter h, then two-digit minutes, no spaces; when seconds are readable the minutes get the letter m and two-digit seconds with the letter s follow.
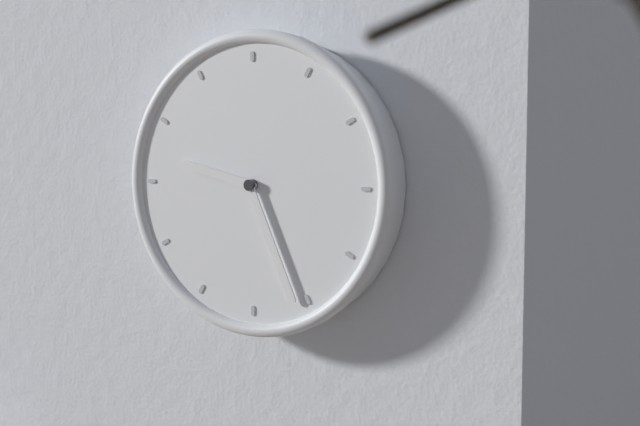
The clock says 9h26
